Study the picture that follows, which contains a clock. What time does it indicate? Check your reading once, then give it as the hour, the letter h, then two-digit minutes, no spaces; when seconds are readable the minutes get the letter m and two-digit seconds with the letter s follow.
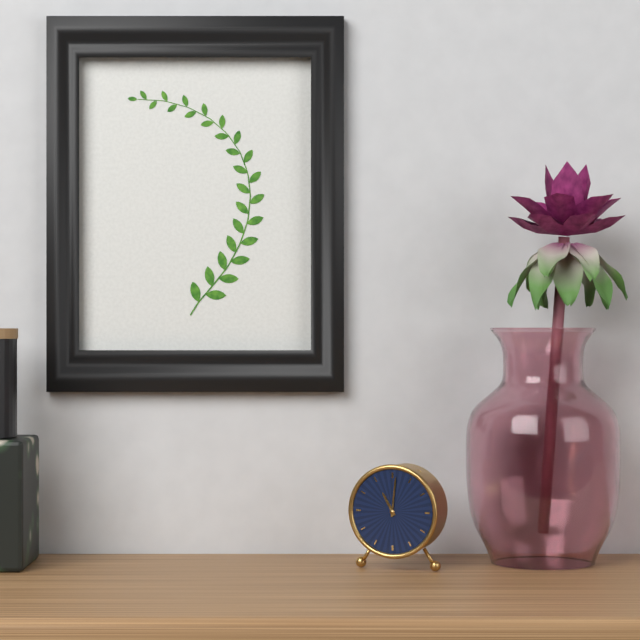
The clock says 11h01
